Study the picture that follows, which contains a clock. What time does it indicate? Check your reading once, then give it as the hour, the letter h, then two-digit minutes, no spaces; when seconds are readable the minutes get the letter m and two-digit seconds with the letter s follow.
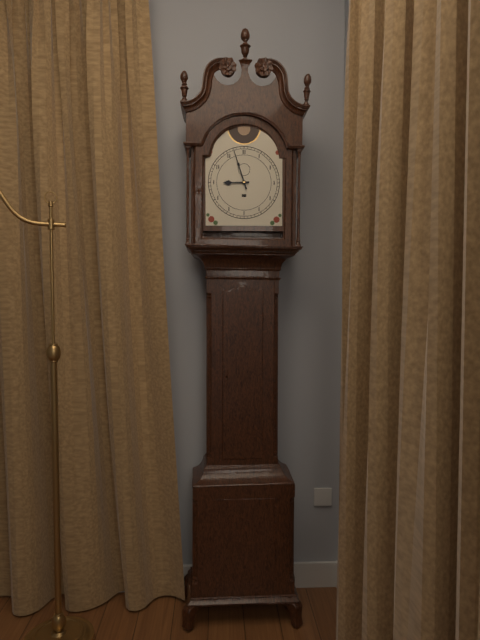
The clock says 8h57
